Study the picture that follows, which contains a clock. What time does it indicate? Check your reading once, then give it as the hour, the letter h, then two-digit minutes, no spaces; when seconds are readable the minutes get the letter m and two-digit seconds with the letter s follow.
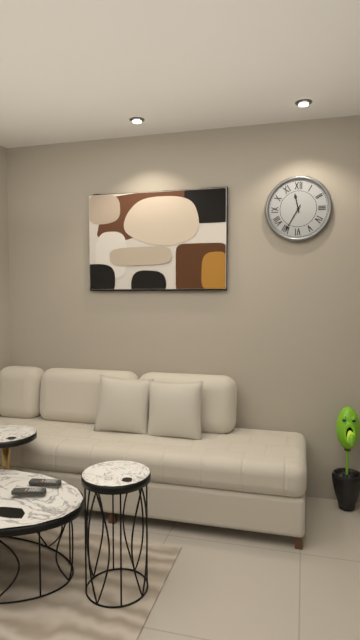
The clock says 11h35
